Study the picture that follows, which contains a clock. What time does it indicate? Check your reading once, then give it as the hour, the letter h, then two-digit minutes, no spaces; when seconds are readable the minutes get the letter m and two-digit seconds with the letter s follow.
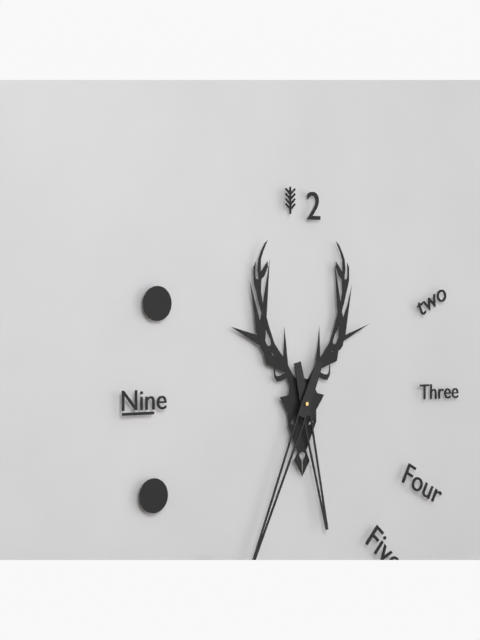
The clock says 5h34
